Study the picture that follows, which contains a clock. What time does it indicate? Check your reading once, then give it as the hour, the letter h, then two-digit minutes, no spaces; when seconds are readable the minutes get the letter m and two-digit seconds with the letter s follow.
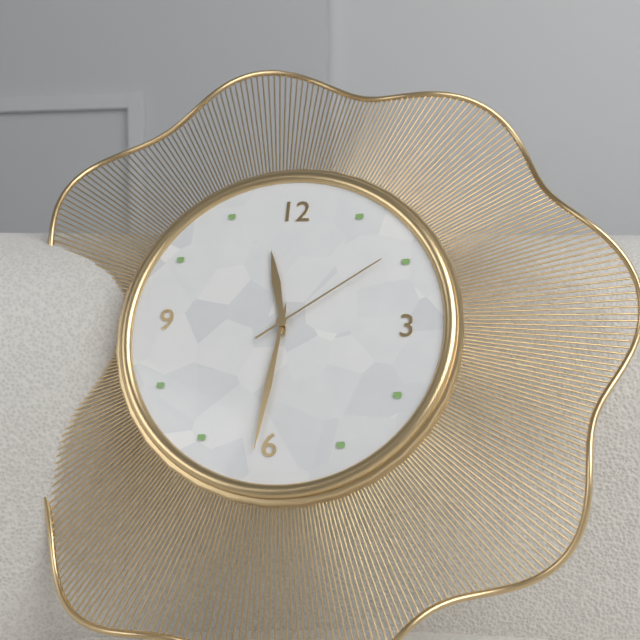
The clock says 11h31m09s
